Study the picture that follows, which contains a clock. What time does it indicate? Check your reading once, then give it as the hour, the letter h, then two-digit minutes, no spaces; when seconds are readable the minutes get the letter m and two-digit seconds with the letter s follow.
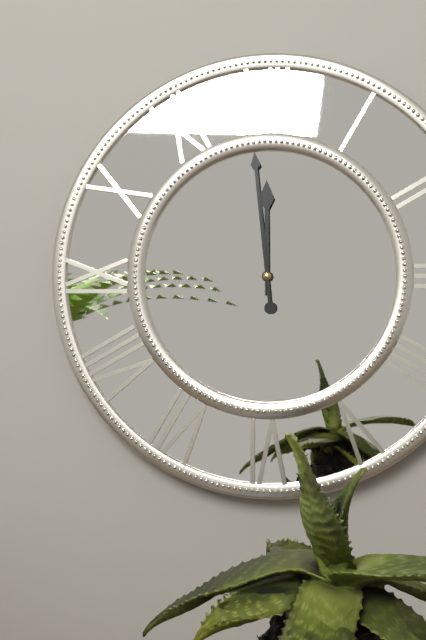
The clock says 11h59
